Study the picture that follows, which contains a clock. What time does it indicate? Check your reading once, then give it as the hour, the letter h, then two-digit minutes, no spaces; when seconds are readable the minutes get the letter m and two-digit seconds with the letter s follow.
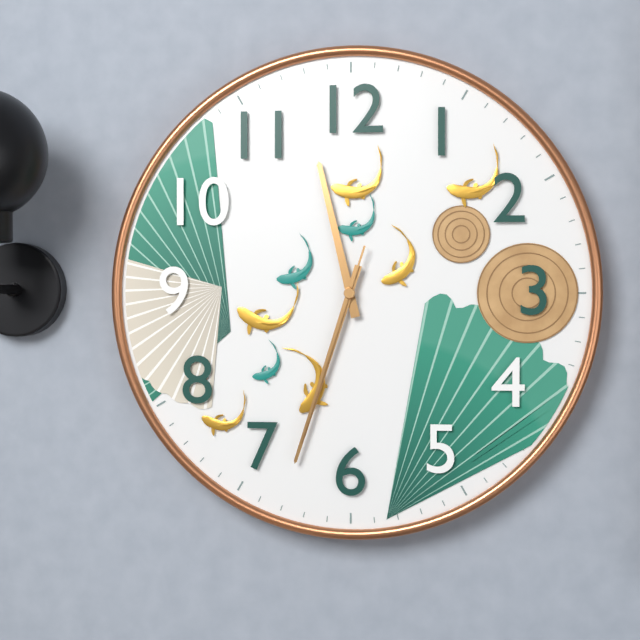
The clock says 11h33m33s
